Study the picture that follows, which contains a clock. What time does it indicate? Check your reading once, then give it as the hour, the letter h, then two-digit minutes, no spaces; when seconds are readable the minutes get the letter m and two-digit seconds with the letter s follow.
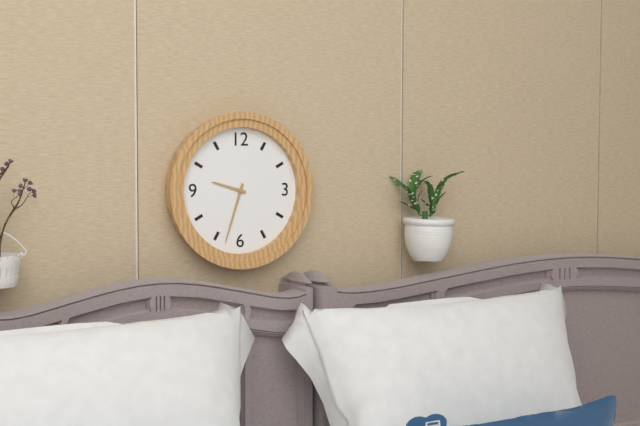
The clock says 9h33
